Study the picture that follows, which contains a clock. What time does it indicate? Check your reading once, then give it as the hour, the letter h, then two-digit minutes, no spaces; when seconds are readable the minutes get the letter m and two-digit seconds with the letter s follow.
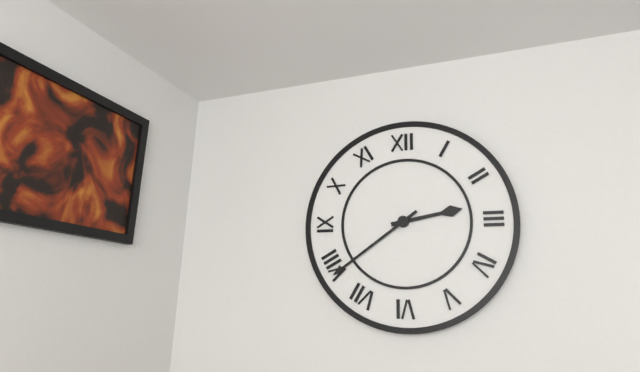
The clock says 2h39
